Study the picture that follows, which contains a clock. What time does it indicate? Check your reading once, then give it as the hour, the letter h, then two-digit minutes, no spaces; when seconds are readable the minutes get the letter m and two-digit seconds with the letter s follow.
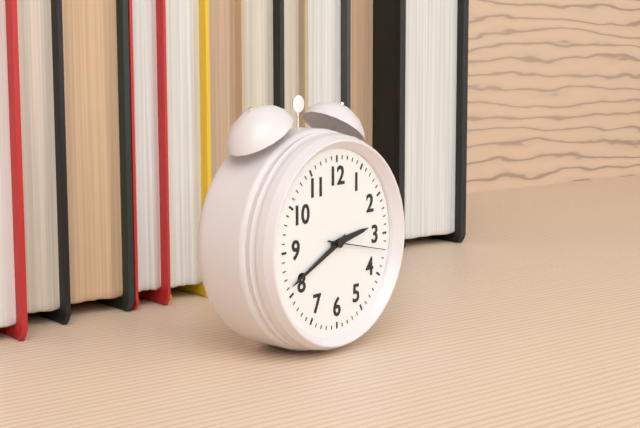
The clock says 2h41m17s
